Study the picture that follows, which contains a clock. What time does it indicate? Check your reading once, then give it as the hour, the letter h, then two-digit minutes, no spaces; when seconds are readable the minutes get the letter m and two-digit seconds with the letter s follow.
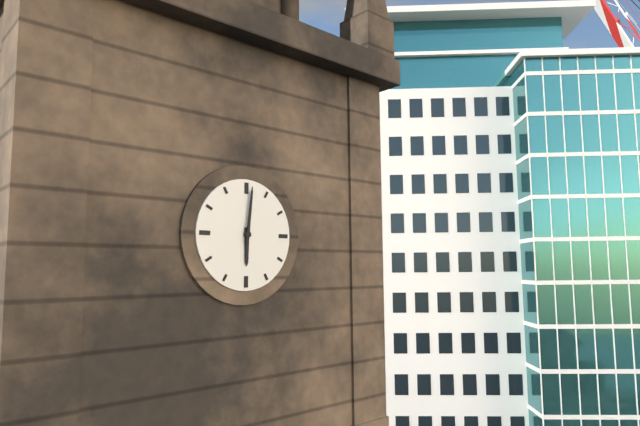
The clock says 6h01
